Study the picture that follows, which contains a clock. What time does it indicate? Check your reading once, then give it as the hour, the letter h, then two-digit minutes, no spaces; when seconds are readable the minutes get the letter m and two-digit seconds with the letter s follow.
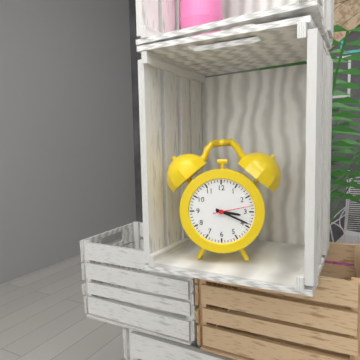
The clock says 3h19
